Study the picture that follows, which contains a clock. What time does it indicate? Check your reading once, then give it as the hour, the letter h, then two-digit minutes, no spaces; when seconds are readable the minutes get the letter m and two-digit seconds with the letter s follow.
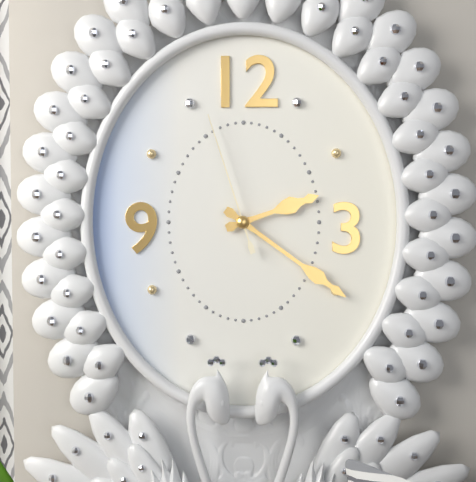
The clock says 2h21m57s
